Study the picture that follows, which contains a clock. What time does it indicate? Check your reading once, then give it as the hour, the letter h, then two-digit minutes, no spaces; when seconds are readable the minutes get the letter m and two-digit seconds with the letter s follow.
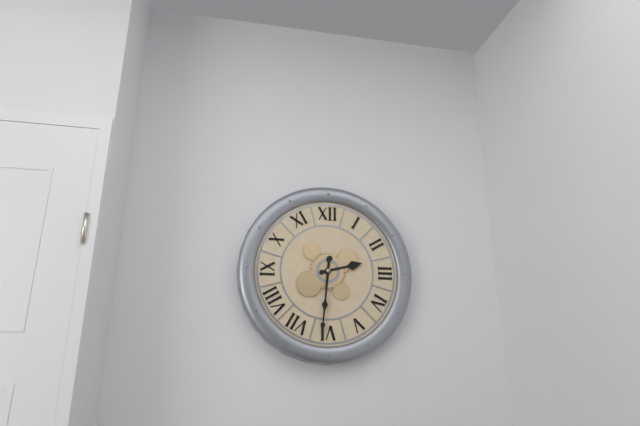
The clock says 2h31
